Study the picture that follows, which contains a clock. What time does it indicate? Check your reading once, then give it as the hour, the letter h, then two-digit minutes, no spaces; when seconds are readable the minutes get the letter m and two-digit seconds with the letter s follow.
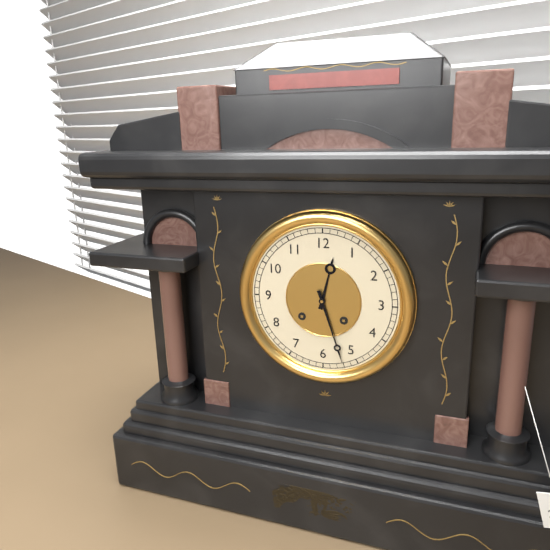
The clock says 12h27
